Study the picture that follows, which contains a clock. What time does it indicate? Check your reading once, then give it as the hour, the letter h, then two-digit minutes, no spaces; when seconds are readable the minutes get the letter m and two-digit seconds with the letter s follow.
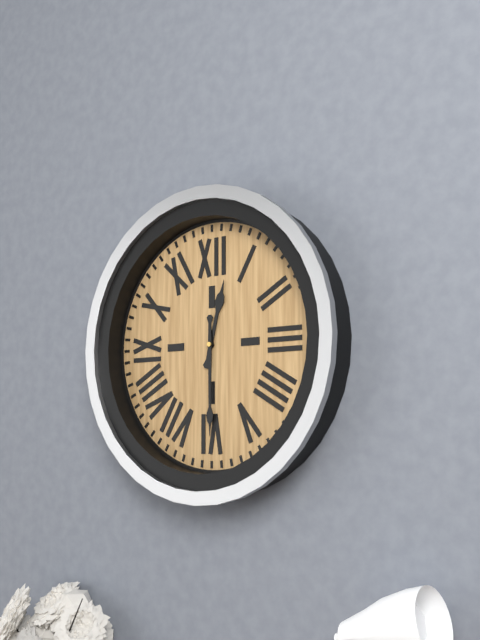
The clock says 12h30
